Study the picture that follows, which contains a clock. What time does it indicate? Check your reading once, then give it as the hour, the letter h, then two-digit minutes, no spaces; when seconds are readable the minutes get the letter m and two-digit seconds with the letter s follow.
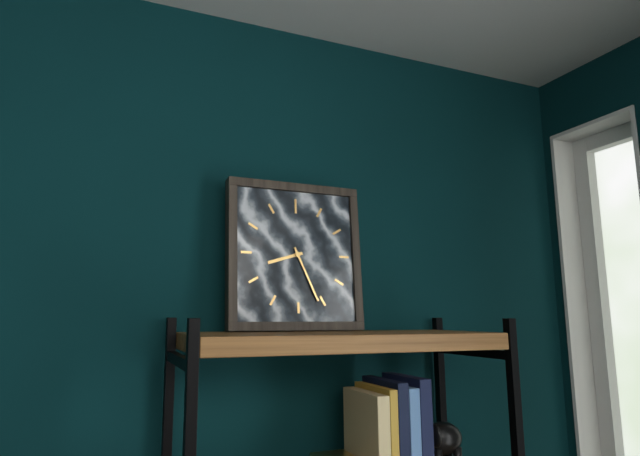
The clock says 8h26
